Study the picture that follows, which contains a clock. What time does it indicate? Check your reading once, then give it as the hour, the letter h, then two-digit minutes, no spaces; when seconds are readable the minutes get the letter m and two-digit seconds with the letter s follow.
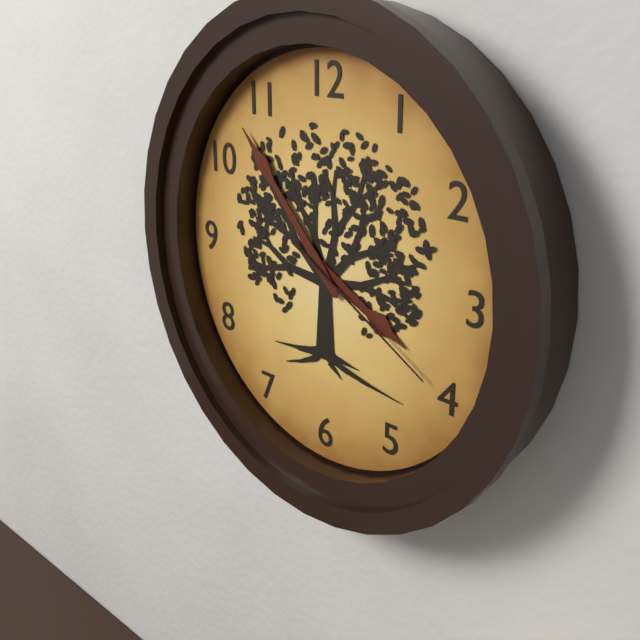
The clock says 3h53m20s
